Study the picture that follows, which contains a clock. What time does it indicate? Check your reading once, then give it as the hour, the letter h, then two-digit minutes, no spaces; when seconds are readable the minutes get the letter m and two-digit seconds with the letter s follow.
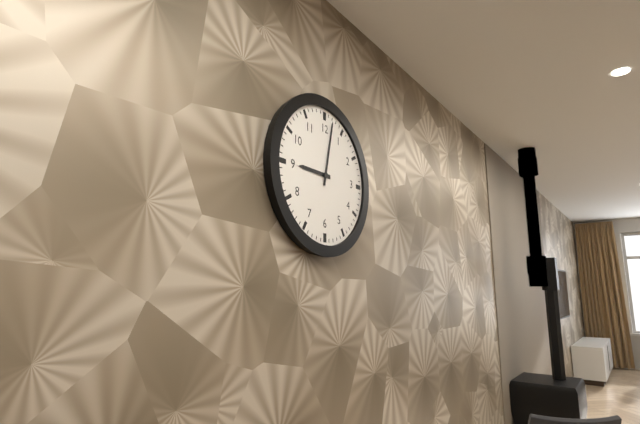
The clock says 9h02
